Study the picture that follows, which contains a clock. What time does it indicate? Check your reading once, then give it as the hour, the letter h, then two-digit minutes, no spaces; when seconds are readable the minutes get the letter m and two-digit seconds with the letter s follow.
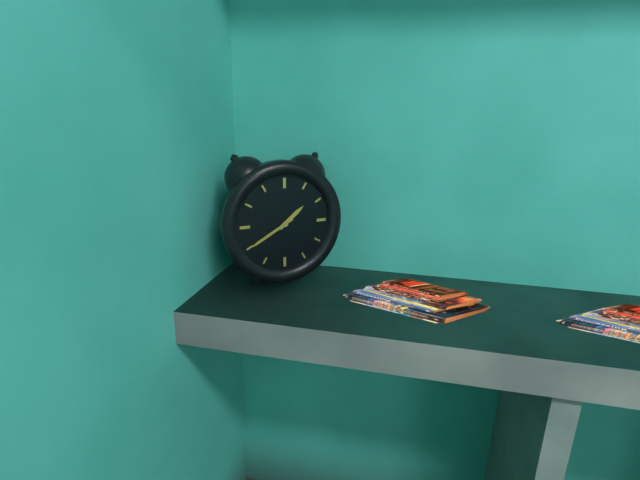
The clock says 1h40
